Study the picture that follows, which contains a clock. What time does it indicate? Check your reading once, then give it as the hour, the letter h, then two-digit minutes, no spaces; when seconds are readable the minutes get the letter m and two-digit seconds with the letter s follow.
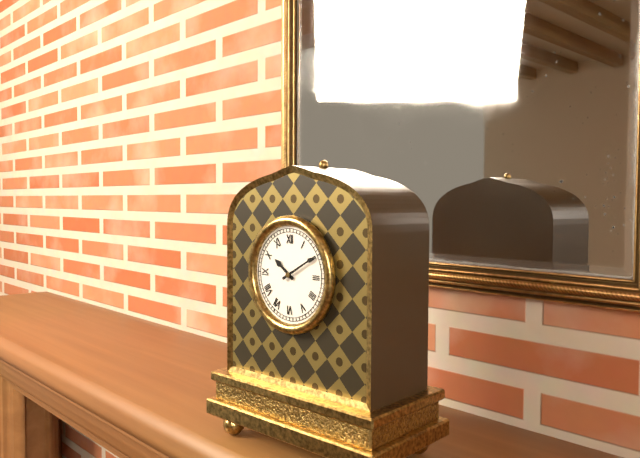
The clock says 10h10
